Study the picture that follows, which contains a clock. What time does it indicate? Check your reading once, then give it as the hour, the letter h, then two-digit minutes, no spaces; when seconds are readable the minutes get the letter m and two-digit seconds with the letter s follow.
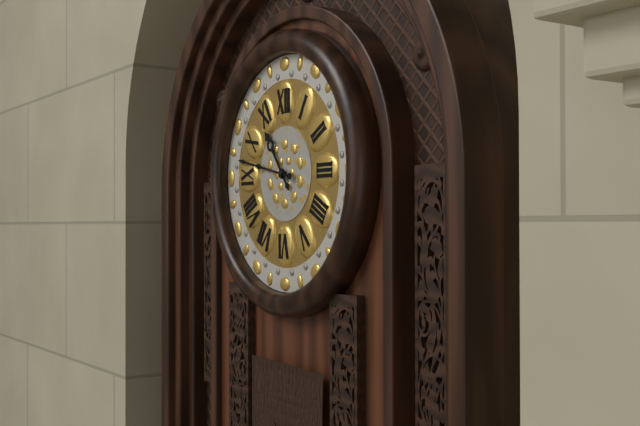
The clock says 10h47
